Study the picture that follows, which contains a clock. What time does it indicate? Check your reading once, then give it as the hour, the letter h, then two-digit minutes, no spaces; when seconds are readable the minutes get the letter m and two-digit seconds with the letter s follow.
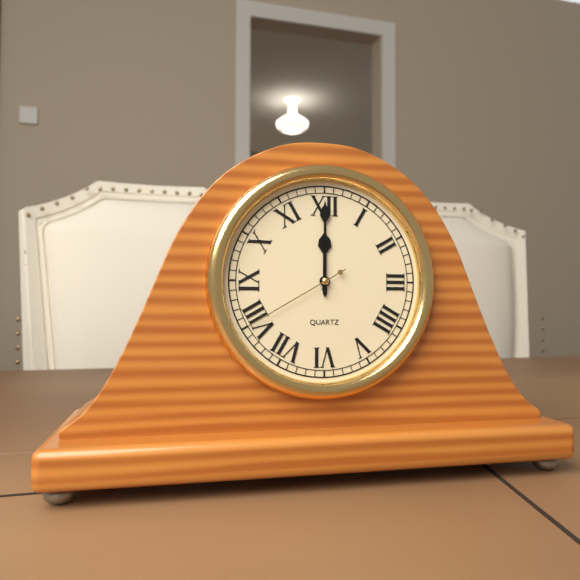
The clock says 12h00m40s
